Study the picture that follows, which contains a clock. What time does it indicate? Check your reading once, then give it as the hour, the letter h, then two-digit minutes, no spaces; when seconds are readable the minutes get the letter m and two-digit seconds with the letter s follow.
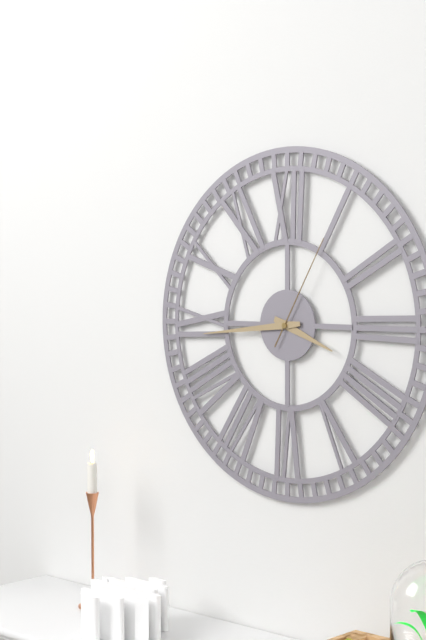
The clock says 3h44m05s
